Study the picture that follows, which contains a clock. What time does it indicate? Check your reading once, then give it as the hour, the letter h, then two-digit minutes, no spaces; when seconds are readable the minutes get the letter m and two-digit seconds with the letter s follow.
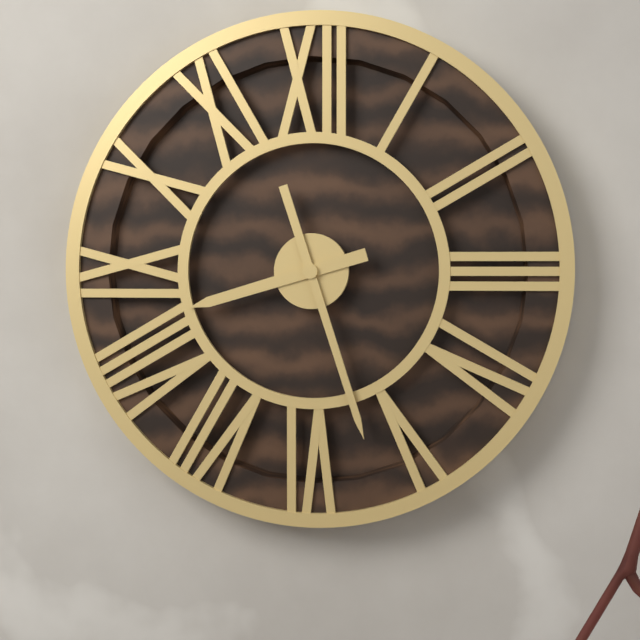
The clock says 8h27
